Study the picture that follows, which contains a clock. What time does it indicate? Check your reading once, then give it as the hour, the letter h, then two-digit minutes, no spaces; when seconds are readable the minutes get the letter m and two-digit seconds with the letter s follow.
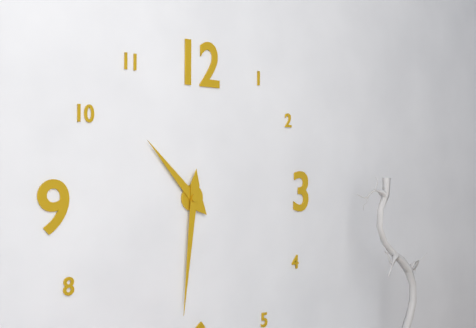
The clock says 10h31
